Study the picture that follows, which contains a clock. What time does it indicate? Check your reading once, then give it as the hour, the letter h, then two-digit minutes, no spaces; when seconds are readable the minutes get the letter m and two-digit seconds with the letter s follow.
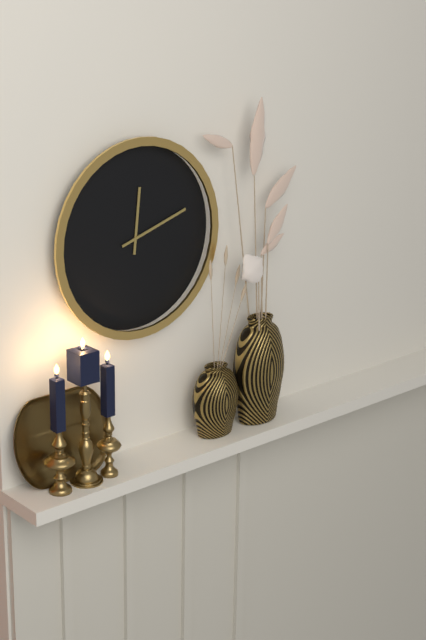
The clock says 12h12
